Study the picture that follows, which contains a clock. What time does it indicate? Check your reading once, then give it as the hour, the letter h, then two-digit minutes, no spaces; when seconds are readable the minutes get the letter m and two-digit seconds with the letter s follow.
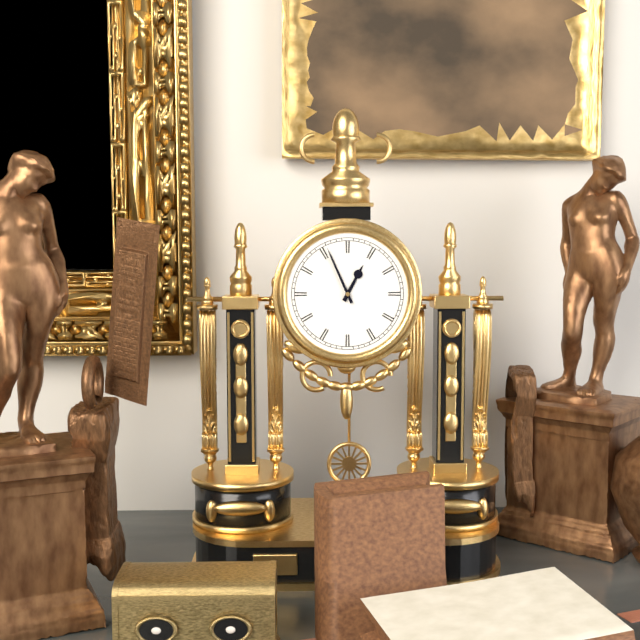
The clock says 12h56
